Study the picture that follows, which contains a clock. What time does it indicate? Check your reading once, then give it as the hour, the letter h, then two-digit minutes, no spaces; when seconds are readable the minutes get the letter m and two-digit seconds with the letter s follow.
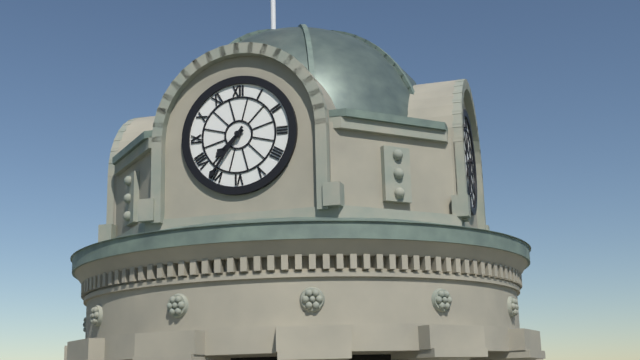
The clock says 7h36
